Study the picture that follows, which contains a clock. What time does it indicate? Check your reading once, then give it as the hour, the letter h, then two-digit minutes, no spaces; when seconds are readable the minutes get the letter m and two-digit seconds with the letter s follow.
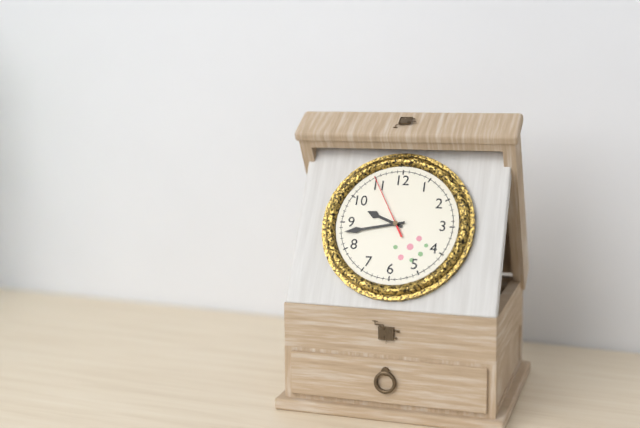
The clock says 9h43m55s
